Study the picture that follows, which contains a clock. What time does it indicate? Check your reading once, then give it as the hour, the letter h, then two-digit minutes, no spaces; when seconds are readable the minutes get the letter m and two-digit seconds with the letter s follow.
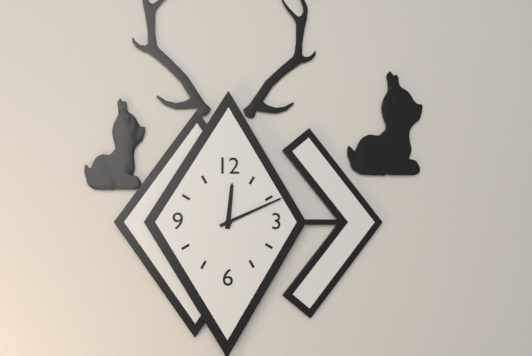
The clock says 12h11
